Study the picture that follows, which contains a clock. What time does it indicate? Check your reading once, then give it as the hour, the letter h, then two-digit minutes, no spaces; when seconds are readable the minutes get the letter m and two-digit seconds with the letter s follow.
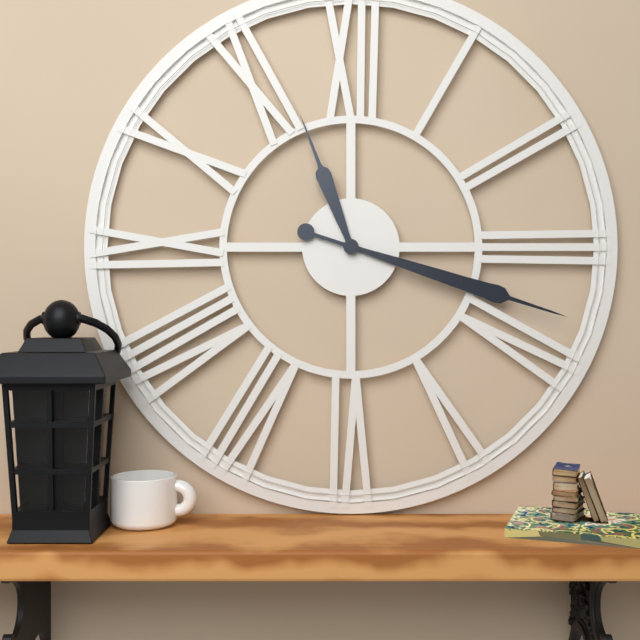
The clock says 11h18
